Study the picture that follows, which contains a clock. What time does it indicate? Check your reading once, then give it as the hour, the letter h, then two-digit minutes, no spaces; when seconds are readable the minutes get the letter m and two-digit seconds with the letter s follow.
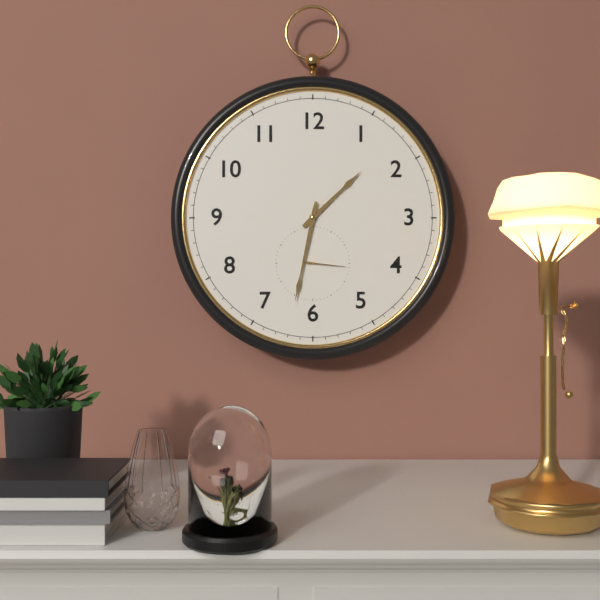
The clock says 1h32
